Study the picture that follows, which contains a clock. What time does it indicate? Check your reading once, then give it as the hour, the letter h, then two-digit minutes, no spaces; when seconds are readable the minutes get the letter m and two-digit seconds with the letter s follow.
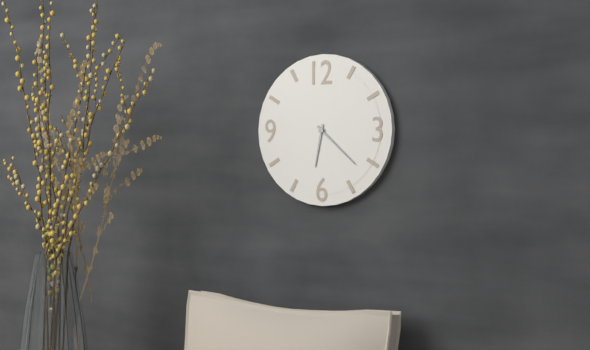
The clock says 6h22
